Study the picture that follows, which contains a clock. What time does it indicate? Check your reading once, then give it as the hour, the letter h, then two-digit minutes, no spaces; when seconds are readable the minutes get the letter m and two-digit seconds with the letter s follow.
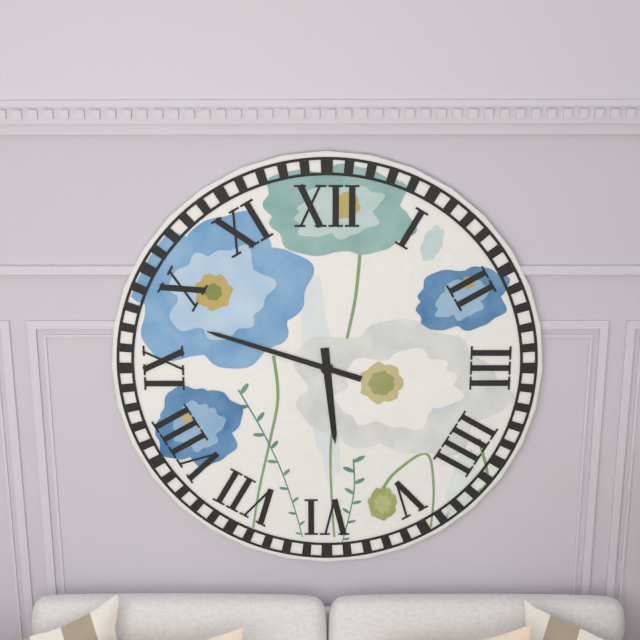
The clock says 5h48
